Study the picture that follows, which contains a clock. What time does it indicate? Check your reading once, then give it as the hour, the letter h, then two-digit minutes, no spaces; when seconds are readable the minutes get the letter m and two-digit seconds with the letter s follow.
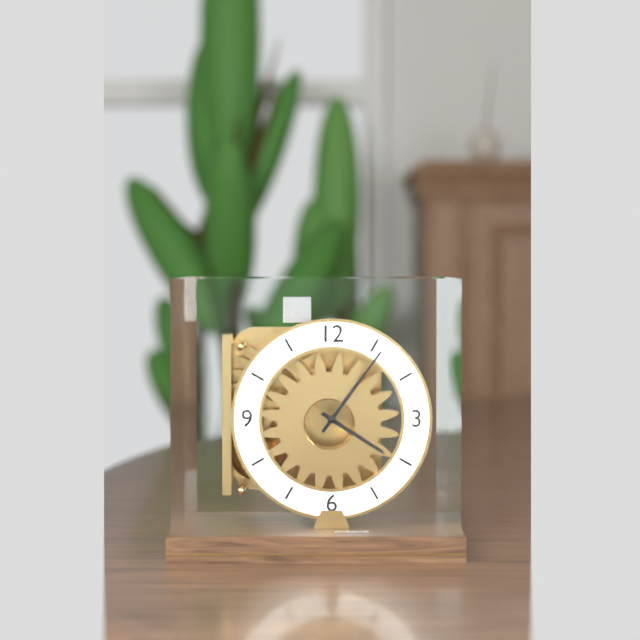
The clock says 4h06
